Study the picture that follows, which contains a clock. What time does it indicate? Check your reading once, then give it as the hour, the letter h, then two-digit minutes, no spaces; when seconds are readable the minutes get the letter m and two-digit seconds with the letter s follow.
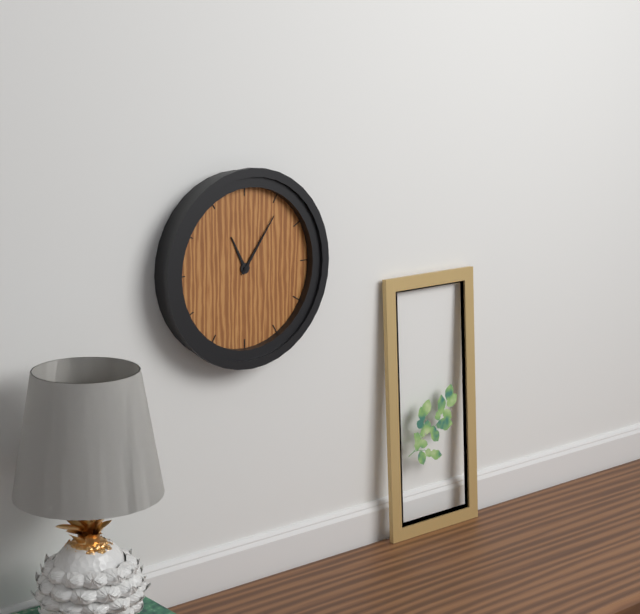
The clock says 11h06
